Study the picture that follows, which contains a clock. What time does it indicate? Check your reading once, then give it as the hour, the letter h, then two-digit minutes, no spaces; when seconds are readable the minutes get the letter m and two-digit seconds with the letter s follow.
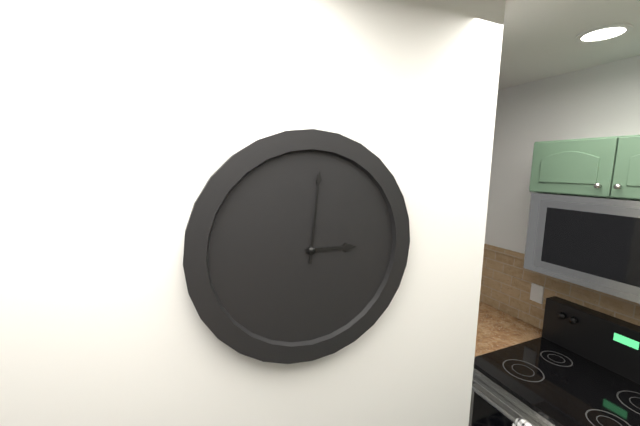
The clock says 3h01
